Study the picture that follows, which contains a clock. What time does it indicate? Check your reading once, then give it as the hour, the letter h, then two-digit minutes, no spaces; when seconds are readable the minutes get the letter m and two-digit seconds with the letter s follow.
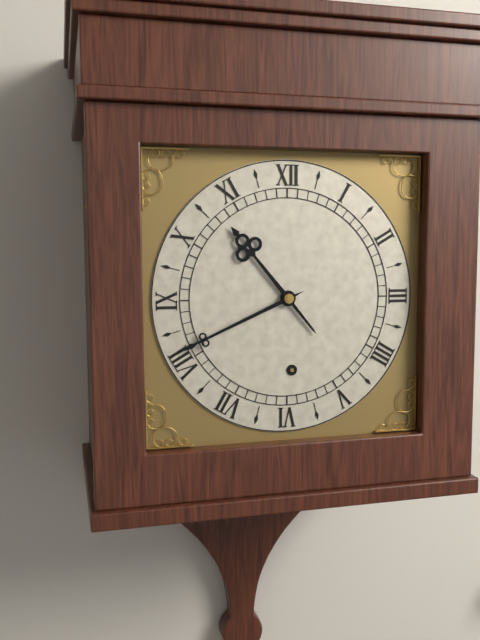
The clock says 10h41
